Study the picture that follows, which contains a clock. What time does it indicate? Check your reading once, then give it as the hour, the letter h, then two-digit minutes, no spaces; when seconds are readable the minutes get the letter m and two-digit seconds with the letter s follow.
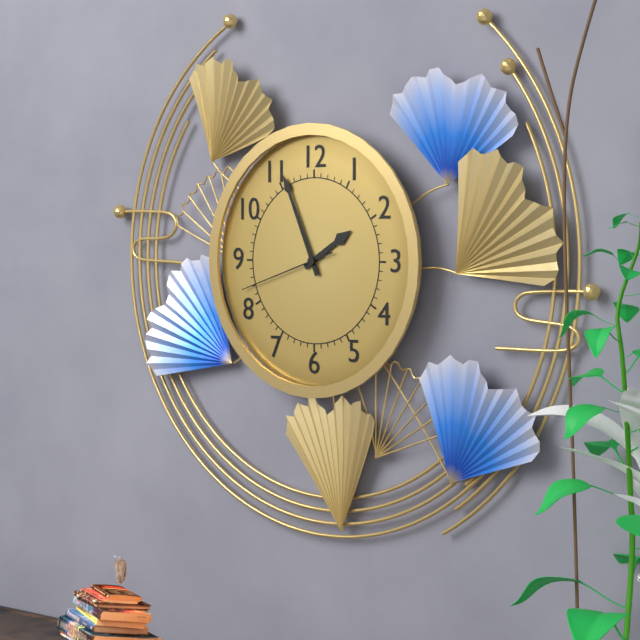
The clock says 1h56m42s
